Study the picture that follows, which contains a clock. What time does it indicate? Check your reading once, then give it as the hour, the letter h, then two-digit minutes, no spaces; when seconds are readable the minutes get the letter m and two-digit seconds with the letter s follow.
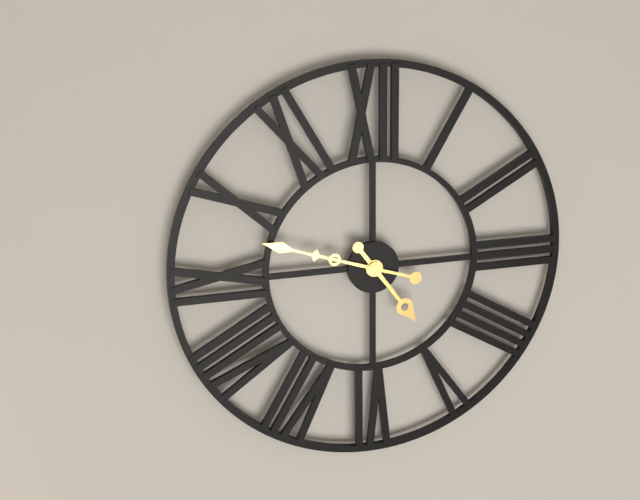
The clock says 4h48
